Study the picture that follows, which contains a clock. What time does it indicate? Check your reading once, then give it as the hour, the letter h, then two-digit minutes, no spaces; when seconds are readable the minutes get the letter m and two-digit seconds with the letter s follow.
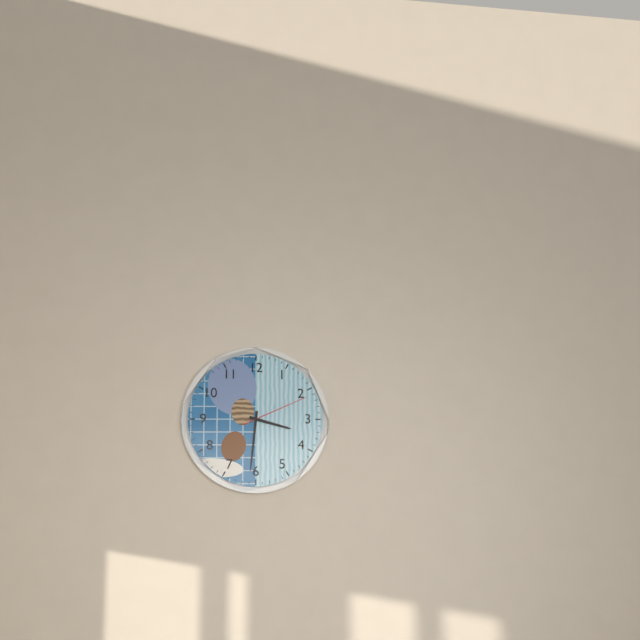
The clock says 3h31m11s
